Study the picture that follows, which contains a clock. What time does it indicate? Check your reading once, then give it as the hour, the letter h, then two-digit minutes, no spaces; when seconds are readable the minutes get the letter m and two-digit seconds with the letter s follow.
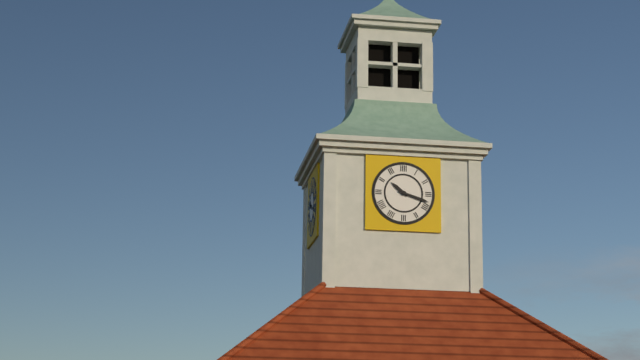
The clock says 10h18
